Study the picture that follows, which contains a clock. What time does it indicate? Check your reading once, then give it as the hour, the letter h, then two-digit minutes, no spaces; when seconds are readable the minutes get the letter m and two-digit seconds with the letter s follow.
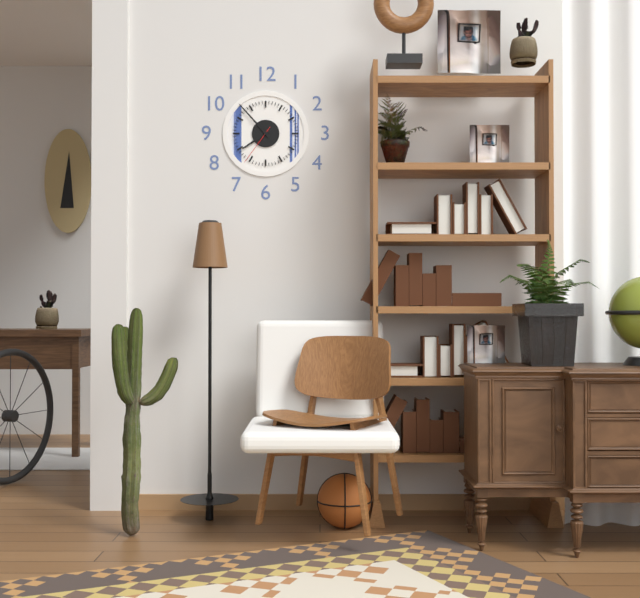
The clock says 7h53
